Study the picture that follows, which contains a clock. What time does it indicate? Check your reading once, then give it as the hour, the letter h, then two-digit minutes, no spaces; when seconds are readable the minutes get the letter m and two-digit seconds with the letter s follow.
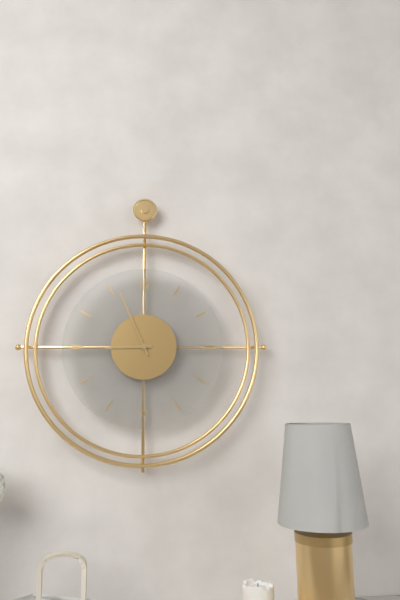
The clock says 8h56
